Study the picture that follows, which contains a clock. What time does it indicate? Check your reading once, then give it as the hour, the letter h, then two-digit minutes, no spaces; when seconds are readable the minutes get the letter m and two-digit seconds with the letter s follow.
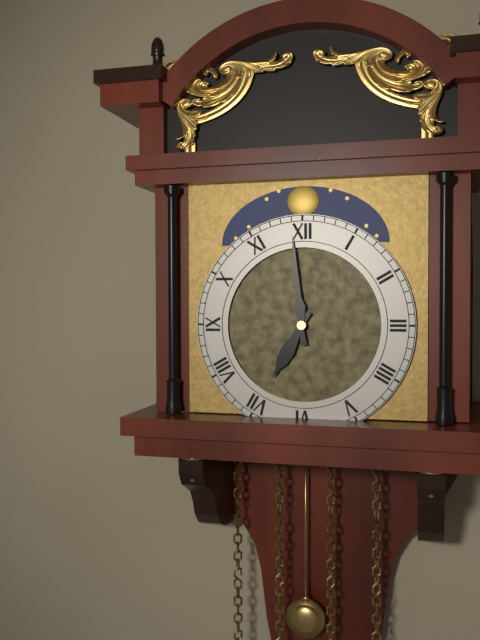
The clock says 6h59
